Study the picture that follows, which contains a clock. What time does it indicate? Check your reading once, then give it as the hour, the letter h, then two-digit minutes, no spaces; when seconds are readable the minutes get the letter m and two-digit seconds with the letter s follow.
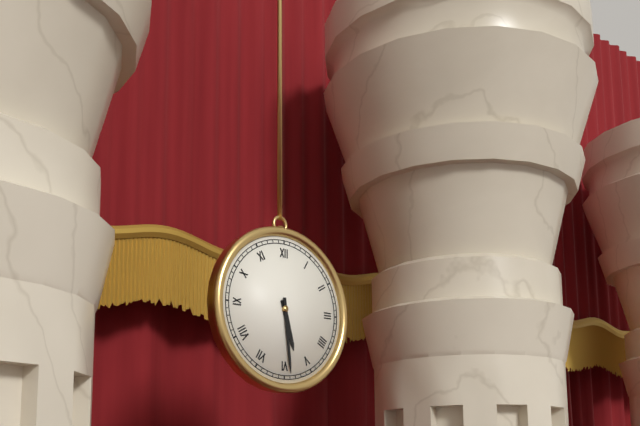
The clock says 5h29
